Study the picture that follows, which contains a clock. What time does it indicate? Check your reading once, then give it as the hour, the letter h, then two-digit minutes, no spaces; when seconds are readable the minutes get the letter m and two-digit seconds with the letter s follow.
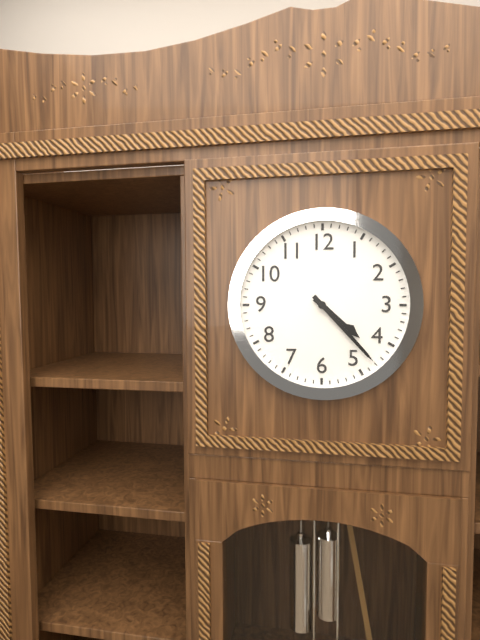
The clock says 4h23
